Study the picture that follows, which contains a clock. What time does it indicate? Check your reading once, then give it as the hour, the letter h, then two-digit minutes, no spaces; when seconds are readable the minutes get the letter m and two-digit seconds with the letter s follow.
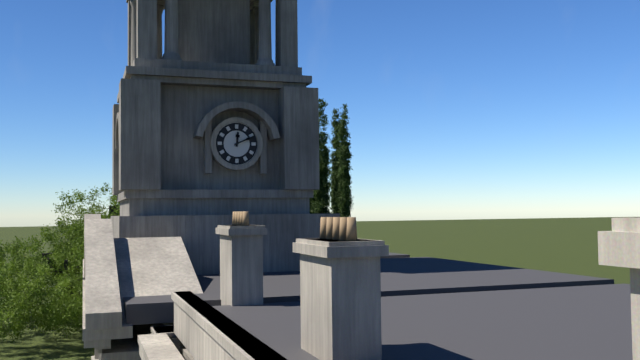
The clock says 12h11
